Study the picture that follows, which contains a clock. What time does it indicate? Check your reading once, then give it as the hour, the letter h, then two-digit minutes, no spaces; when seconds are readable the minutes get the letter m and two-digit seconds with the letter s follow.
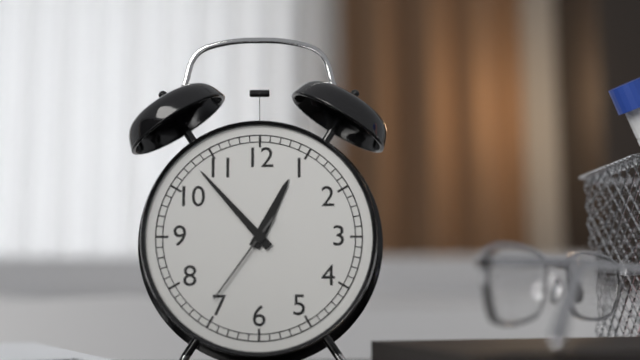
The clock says 12h53m36s
